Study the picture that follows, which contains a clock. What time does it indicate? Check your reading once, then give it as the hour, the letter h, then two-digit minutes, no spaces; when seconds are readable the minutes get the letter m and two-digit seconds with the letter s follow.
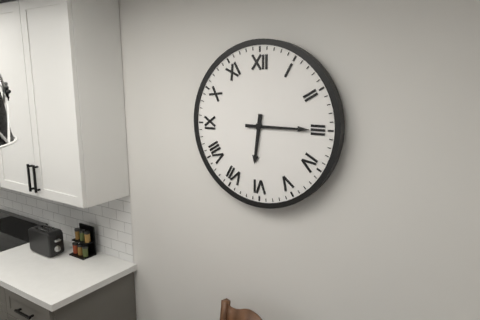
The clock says 6h15
